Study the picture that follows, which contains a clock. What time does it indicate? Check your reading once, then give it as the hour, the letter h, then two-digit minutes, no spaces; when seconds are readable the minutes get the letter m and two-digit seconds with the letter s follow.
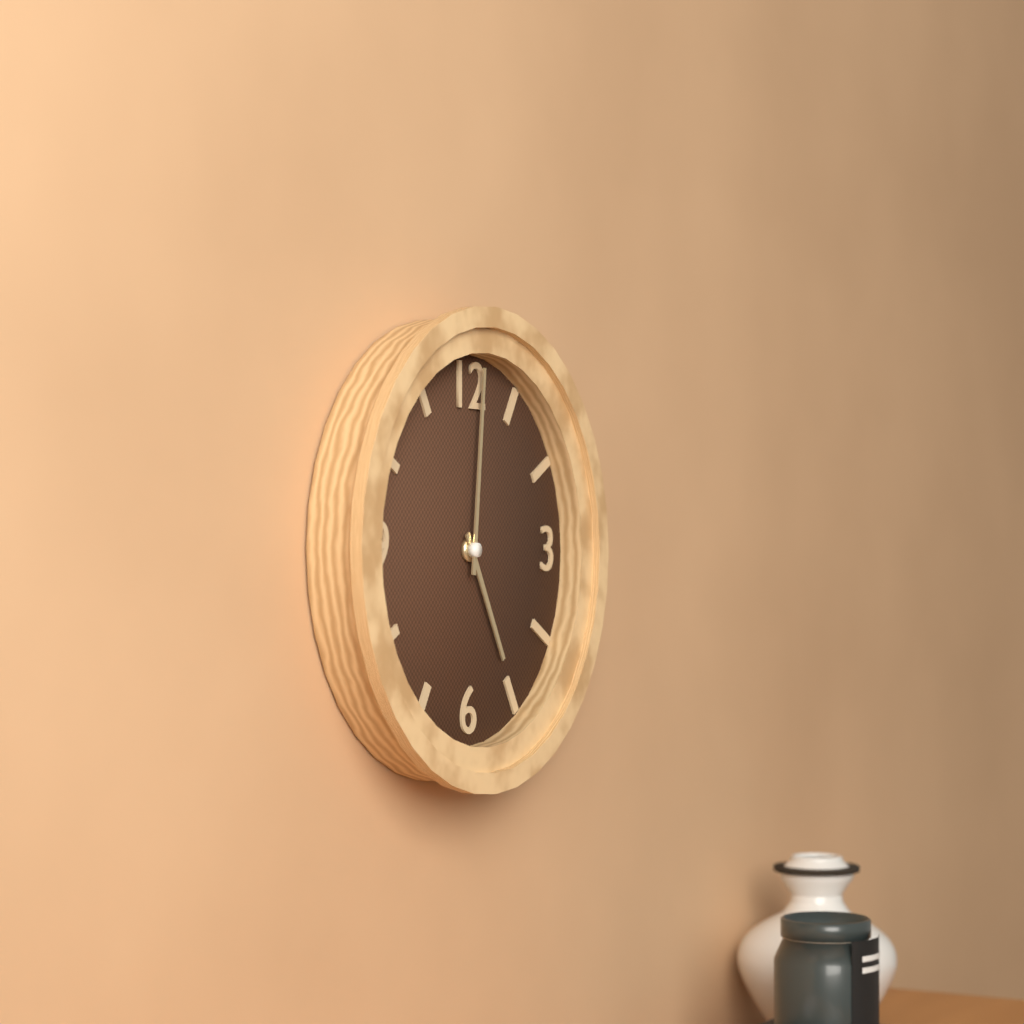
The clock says 5h01
